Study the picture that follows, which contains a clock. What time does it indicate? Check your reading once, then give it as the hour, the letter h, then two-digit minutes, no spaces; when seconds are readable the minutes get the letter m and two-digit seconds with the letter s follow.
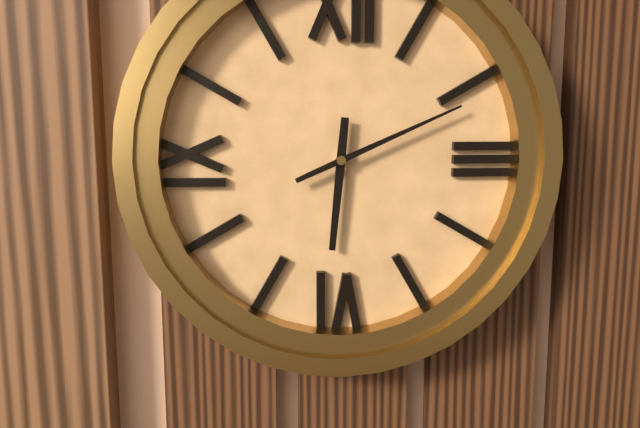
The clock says 6h11
